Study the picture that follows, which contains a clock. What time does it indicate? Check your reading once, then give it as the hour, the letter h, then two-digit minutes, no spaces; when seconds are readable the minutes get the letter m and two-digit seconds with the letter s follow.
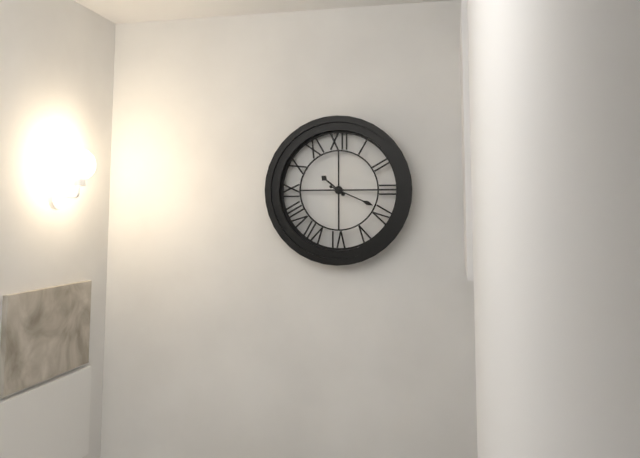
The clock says 10h19
